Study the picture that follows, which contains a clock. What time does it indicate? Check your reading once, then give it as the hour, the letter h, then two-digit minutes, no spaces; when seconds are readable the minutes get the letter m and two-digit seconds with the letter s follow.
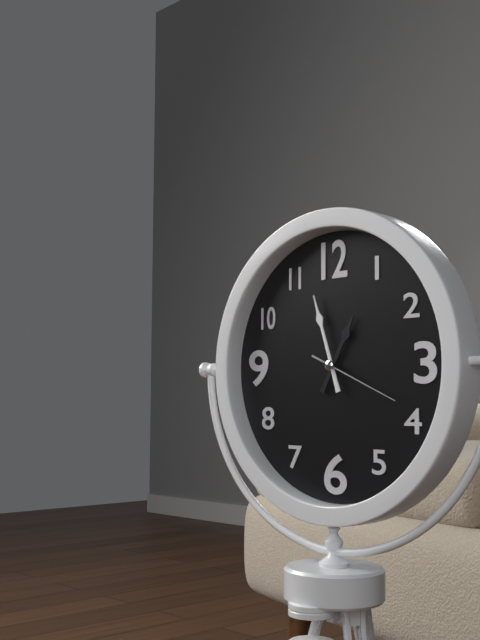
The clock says 12h57m19s
